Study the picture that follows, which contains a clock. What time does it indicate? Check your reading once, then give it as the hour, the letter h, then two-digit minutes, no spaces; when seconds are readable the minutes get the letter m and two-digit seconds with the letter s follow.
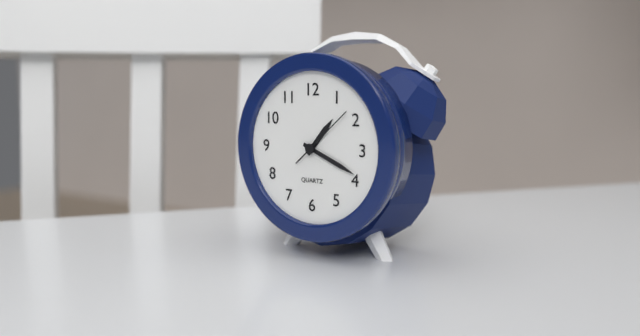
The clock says 1h19m08s
